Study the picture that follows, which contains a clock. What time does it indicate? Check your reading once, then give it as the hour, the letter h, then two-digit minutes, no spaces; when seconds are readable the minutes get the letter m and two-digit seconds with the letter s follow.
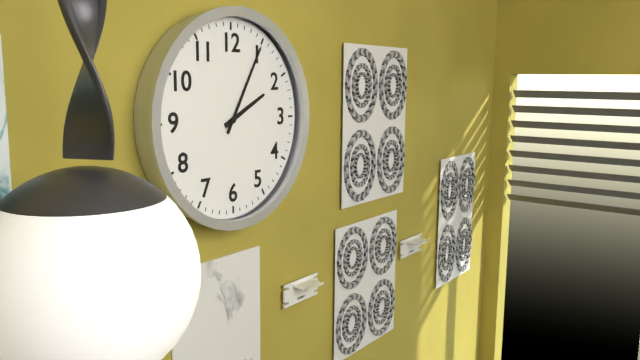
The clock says 2h05
